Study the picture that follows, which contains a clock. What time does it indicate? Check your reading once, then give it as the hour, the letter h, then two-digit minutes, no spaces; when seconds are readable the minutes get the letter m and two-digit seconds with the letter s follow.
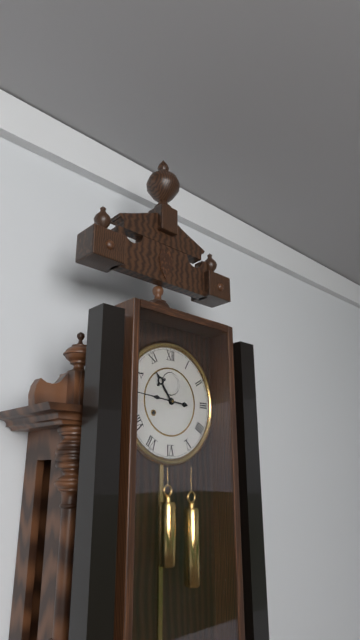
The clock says 10h46
